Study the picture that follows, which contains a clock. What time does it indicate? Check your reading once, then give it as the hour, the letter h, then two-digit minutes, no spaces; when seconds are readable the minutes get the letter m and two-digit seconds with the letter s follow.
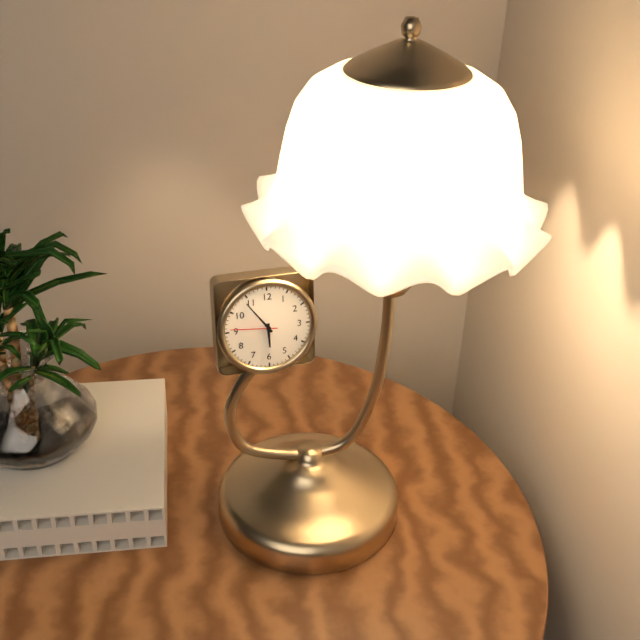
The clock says 5h54
